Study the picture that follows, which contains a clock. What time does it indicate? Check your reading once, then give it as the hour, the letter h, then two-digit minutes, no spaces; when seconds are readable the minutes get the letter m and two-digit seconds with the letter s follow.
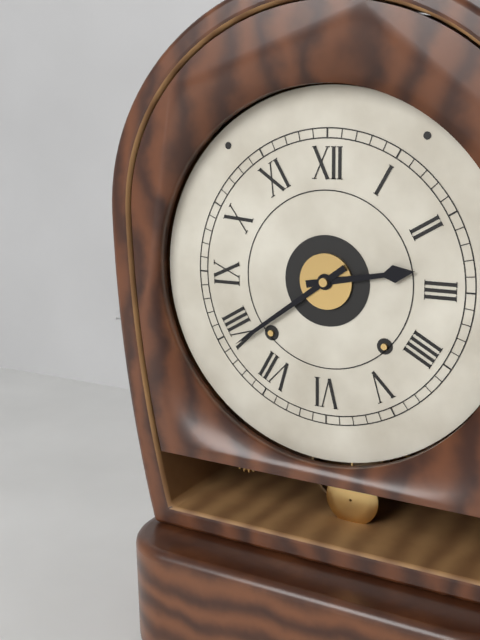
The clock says 2h39
